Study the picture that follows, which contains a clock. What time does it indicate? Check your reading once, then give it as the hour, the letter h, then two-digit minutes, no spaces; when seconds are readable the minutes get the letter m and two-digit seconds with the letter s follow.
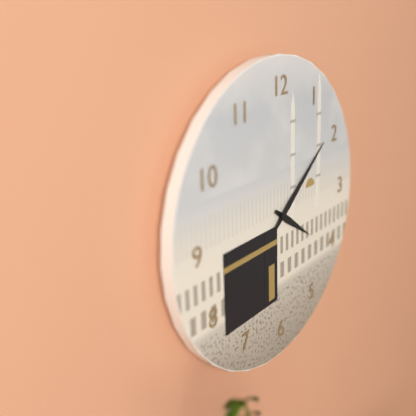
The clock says 4h09
